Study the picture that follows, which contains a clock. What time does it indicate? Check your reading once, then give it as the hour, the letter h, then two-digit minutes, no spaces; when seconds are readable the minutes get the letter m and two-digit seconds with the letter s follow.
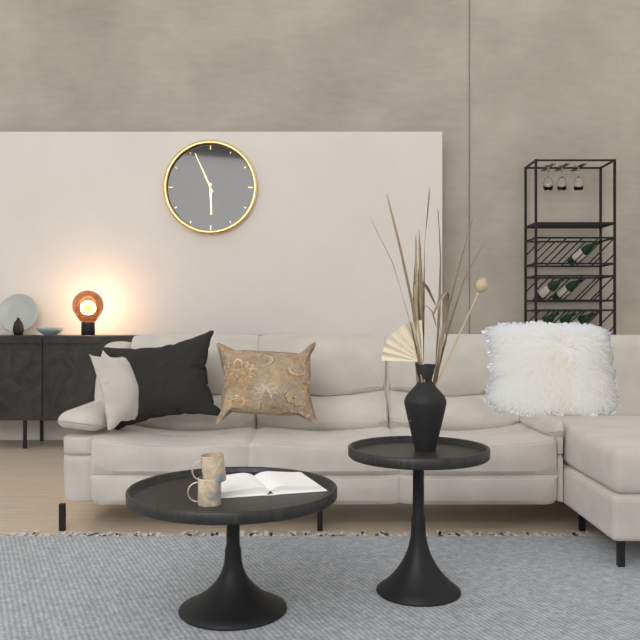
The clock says 5h56
